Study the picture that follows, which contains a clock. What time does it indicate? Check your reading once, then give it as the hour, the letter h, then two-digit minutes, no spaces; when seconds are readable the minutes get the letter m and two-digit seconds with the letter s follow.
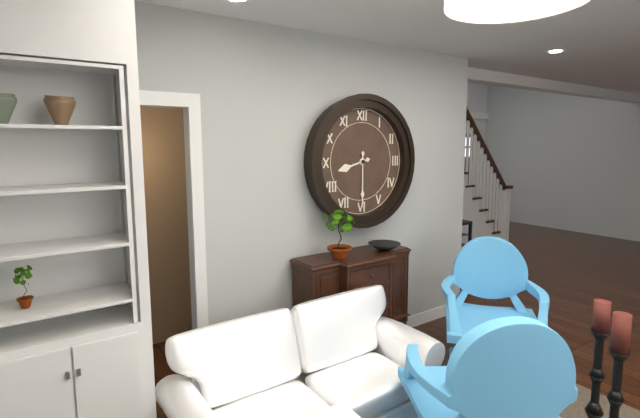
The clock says 8h30
